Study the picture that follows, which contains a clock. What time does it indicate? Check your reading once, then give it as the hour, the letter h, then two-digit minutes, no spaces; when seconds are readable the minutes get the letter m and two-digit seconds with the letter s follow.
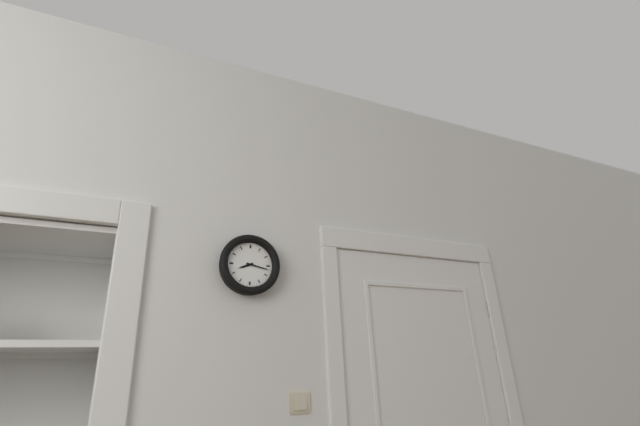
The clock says 8h17
